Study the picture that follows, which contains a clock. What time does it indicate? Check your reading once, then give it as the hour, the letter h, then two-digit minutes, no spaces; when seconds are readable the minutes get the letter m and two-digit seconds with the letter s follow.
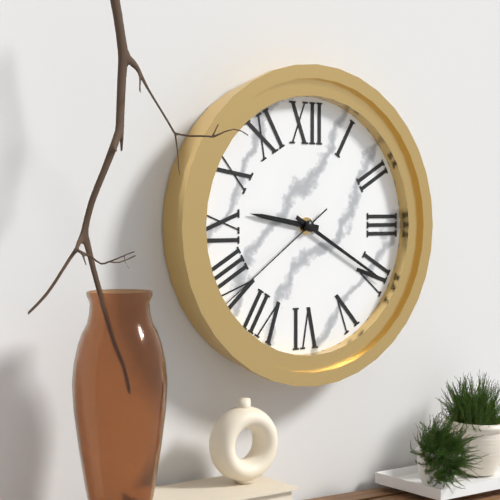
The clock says 9h20m39s
